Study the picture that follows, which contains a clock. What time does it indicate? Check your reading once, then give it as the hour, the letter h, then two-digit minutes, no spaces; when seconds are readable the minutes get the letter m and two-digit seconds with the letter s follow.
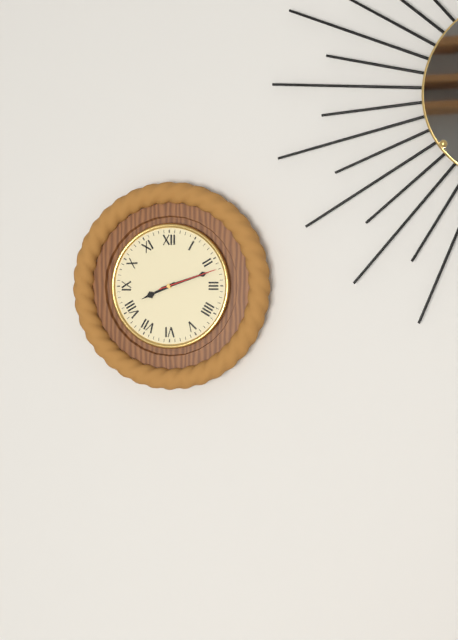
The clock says 8h12m12s
